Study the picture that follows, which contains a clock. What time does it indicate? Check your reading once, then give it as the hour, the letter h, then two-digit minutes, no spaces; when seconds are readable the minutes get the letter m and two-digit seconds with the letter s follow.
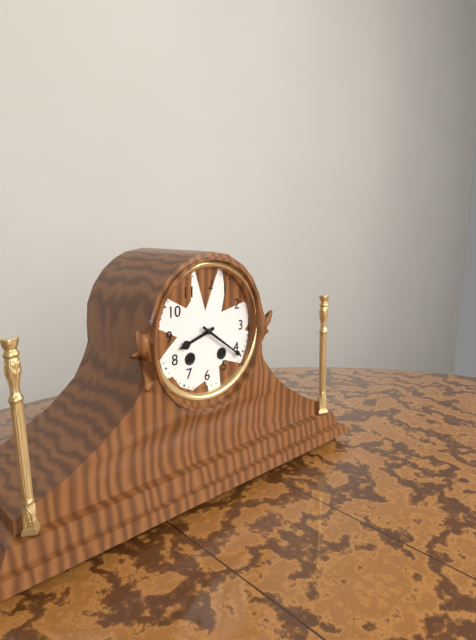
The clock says 8h21
